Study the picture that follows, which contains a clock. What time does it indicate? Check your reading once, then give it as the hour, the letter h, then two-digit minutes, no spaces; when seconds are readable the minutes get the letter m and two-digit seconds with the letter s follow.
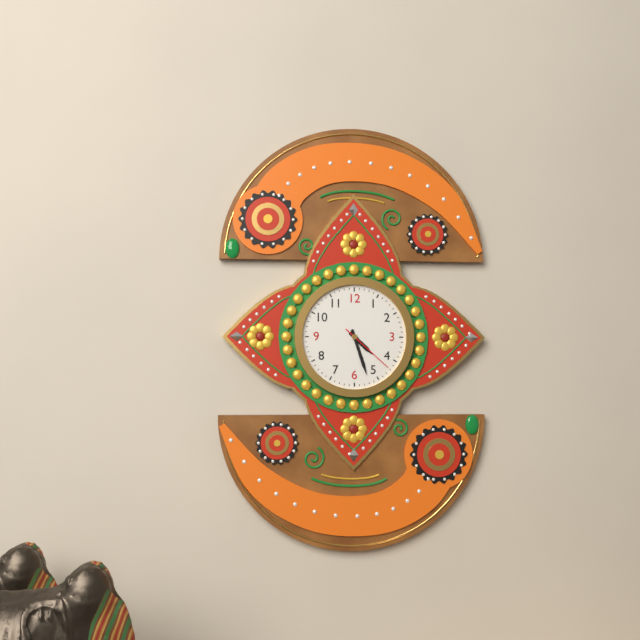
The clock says 4h27m22s
